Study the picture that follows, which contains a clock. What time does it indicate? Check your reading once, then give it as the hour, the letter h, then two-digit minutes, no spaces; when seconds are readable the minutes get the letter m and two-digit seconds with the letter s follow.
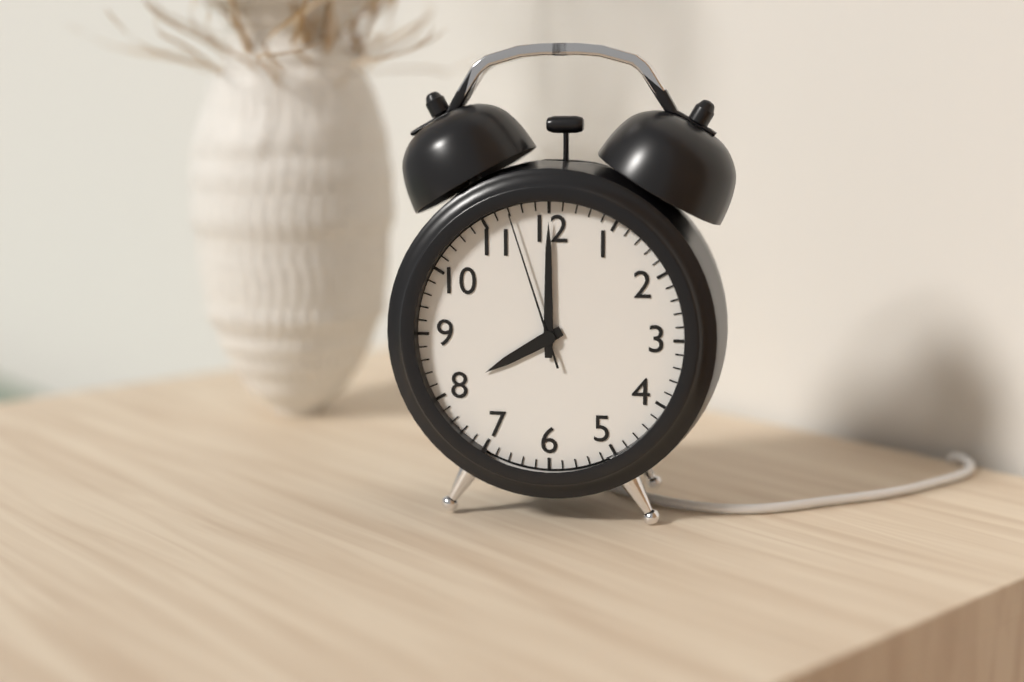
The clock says 8h00m57s
